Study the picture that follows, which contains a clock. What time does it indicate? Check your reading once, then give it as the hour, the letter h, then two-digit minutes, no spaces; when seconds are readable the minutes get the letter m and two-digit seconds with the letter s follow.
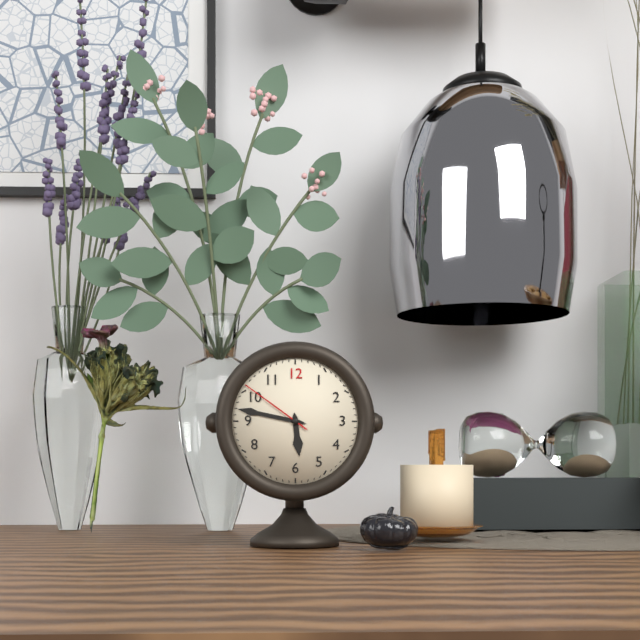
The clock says 5h47m51s
